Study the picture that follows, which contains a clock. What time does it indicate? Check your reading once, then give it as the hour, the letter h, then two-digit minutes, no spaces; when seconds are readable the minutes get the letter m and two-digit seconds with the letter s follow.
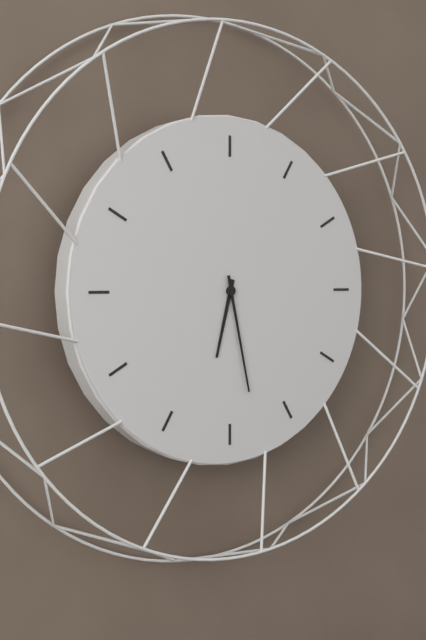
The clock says 6h28
